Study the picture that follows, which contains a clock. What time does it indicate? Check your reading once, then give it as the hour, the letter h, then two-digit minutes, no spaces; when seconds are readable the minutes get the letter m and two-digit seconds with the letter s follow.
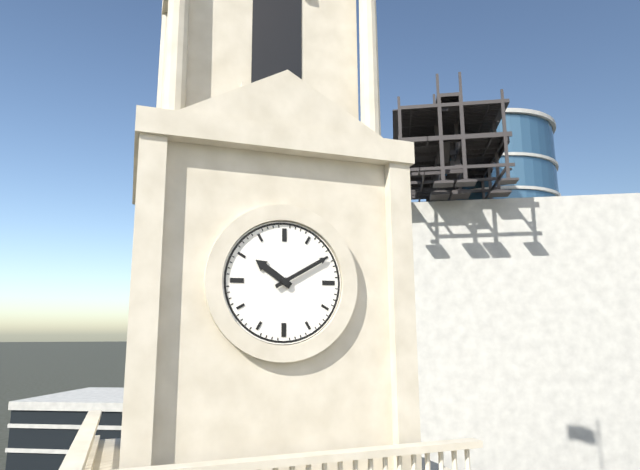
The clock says 10h10
